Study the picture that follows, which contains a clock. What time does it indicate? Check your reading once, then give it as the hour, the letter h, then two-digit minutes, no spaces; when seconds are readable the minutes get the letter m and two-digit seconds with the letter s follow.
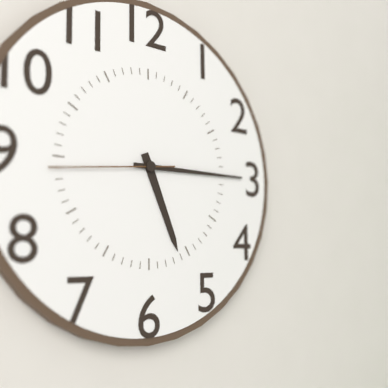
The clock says 5h15m44s
